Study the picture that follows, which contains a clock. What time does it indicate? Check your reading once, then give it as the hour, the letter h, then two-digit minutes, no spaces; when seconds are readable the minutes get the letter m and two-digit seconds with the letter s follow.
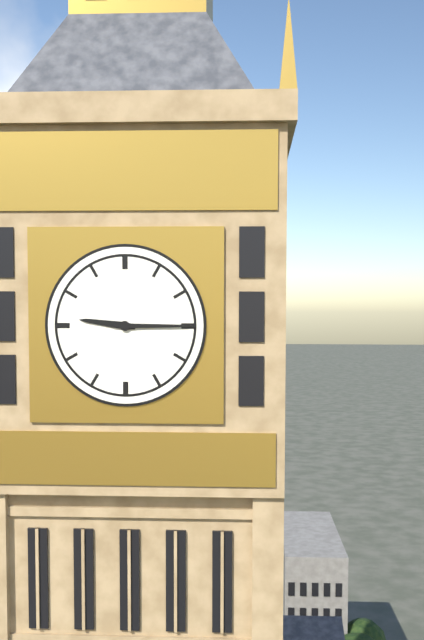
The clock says 9h15
